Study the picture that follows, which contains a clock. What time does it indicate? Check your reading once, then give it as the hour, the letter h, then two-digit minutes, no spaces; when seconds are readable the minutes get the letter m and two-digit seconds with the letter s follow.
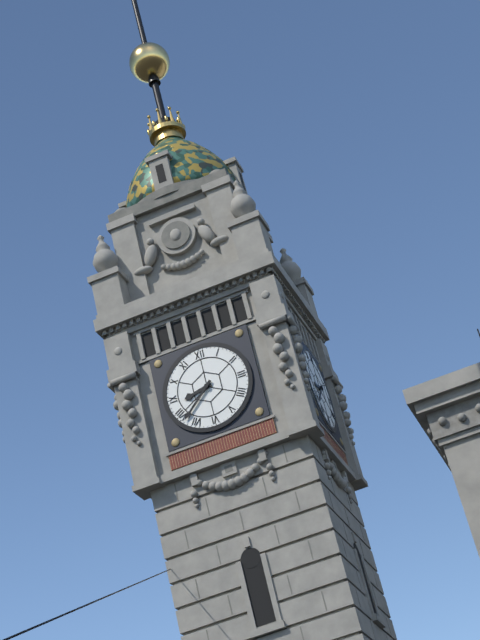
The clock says 8h38
